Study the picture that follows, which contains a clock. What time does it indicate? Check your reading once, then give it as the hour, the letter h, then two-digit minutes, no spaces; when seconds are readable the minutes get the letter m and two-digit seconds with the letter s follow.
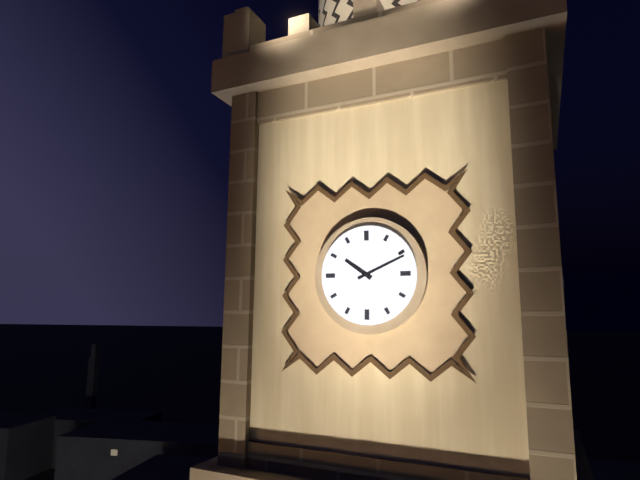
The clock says 10h11
